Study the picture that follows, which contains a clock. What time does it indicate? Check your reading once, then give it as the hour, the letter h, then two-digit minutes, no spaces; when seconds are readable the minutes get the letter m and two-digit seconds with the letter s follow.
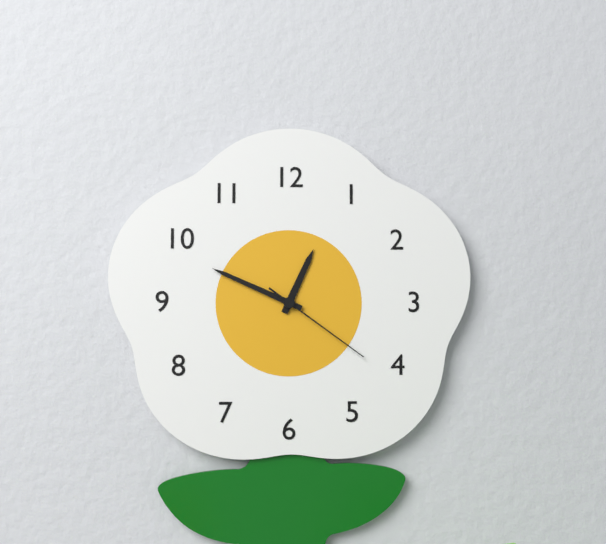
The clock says 12h49m21s
